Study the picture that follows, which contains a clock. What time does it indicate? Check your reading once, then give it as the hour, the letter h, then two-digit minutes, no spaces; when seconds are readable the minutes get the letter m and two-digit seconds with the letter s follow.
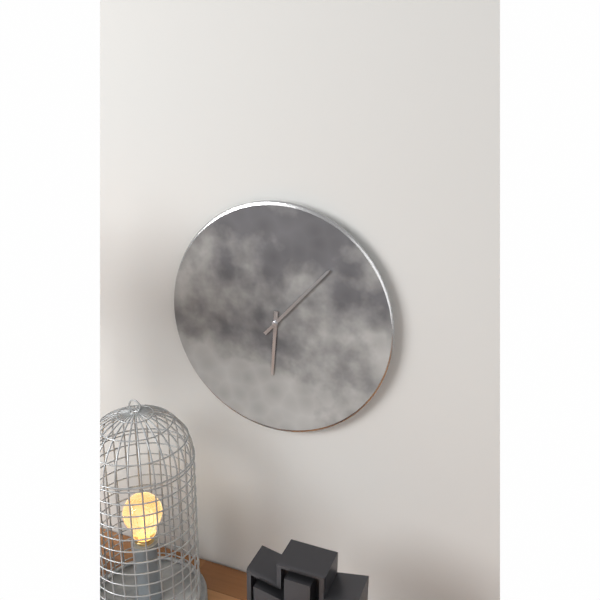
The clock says 6h07
